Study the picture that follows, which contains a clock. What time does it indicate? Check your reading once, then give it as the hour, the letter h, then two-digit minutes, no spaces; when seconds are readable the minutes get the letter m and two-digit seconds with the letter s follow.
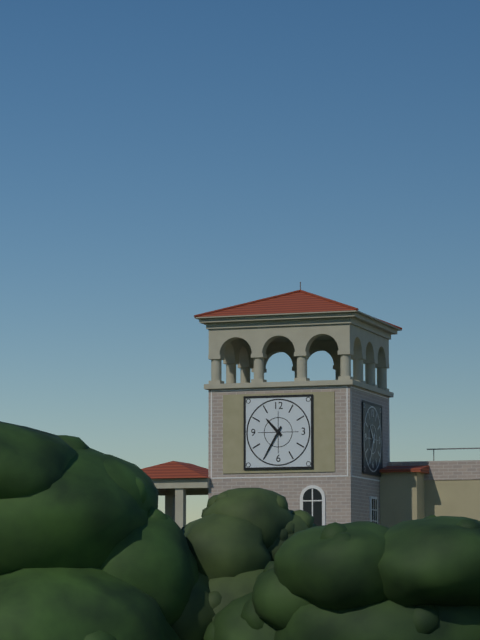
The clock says 10h35
